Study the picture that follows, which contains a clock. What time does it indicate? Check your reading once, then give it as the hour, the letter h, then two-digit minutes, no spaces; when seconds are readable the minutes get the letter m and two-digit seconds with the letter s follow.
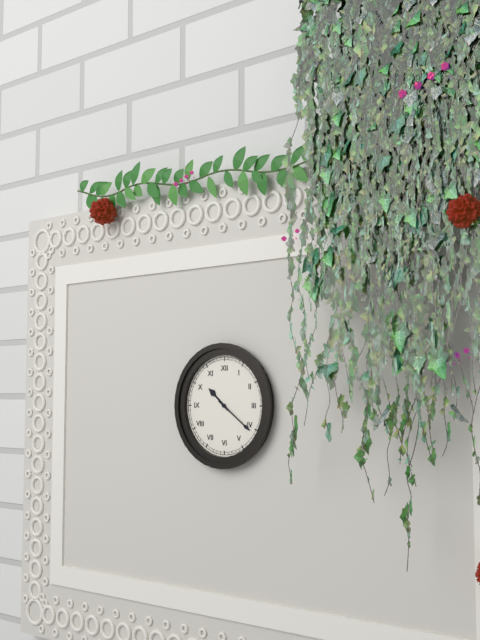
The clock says 10h21
